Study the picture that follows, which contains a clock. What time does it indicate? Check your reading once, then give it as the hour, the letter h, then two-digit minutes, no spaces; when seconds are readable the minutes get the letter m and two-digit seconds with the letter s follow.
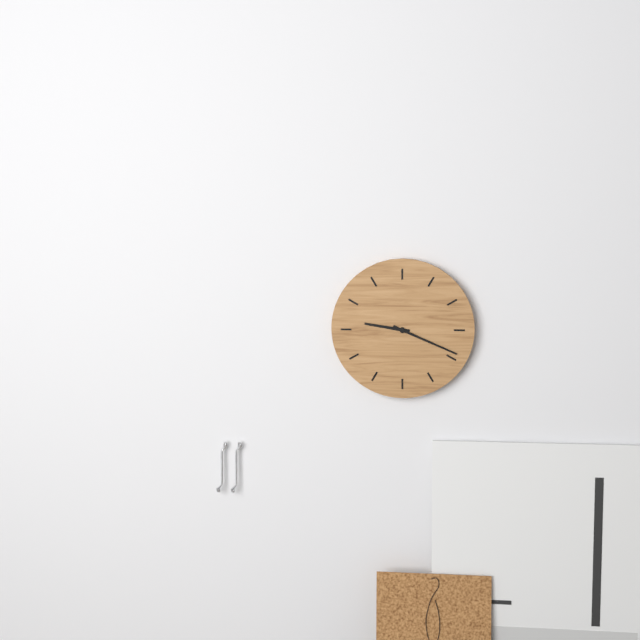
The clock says 9h19
